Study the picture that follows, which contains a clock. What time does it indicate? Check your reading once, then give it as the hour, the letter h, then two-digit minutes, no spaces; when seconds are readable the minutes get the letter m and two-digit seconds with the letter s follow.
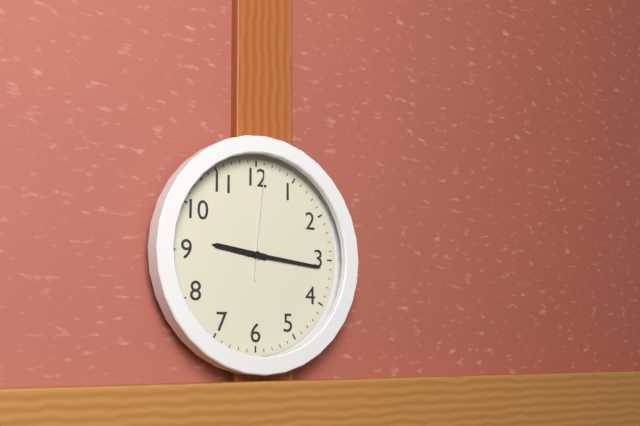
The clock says 9h16m01s
